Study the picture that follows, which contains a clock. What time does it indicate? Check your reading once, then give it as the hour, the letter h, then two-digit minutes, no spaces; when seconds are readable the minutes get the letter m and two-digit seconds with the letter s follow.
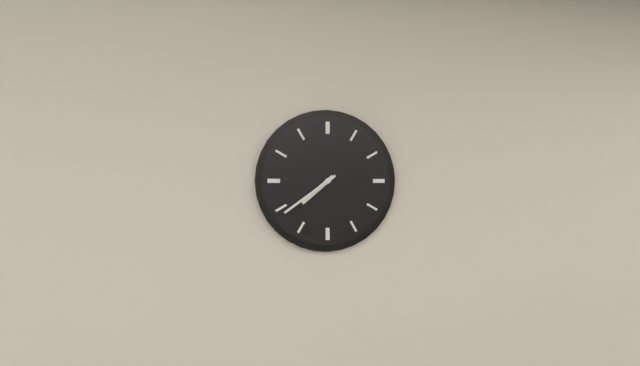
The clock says 7h39
